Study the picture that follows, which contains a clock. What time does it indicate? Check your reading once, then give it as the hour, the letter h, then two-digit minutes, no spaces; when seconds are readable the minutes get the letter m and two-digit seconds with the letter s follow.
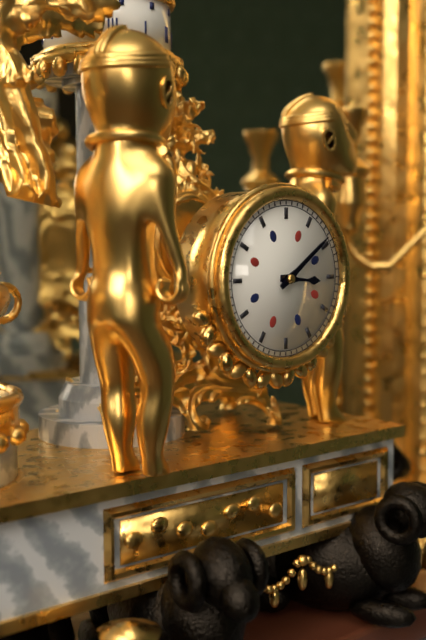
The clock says 3h09
